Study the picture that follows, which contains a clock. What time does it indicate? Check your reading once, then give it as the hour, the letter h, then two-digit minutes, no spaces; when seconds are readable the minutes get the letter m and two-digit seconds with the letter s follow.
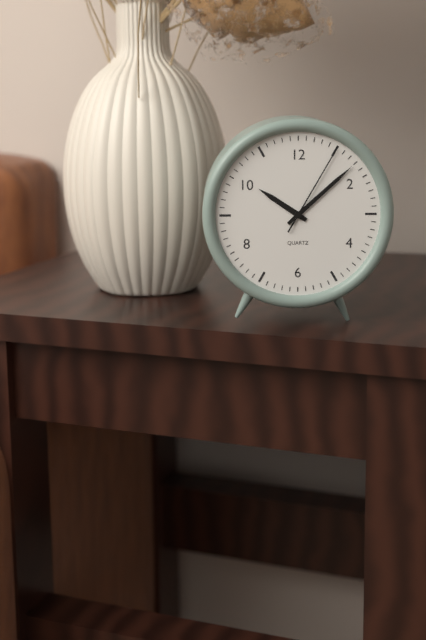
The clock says 10h08m05s
